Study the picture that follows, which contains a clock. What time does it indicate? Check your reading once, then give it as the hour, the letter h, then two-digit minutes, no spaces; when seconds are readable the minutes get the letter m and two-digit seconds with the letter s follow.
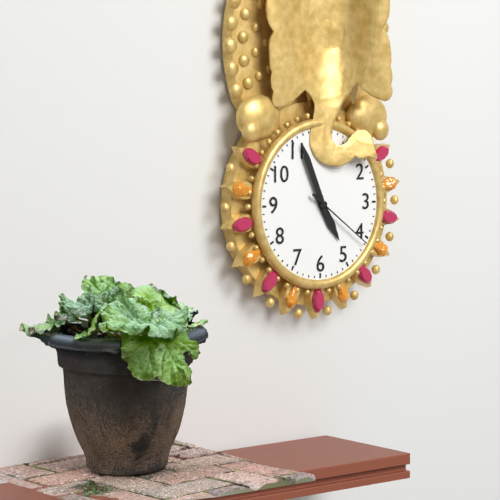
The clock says 4h56m21s
